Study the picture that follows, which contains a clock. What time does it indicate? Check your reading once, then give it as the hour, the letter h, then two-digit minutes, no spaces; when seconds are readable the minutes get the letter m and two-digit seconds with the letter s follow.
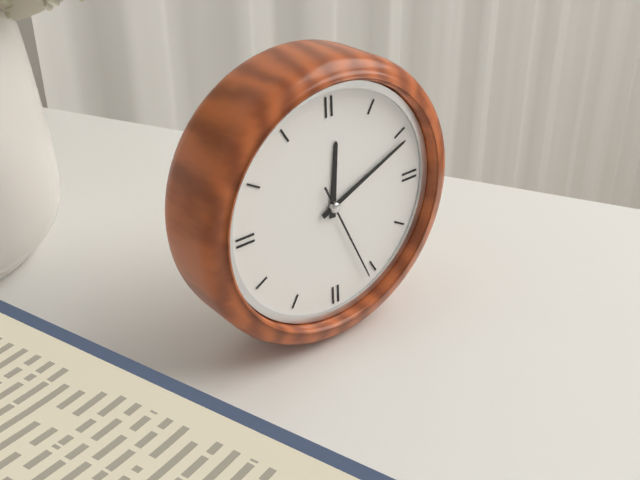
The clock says 12h11m26s
